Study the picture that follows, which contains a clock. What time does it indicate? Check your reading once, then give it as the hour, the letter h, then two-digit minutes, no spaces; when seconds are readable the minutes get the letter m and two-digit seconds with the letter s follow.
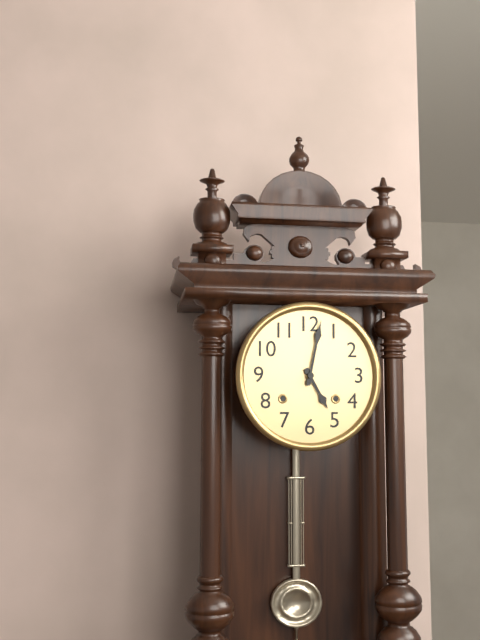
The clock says 5h02
